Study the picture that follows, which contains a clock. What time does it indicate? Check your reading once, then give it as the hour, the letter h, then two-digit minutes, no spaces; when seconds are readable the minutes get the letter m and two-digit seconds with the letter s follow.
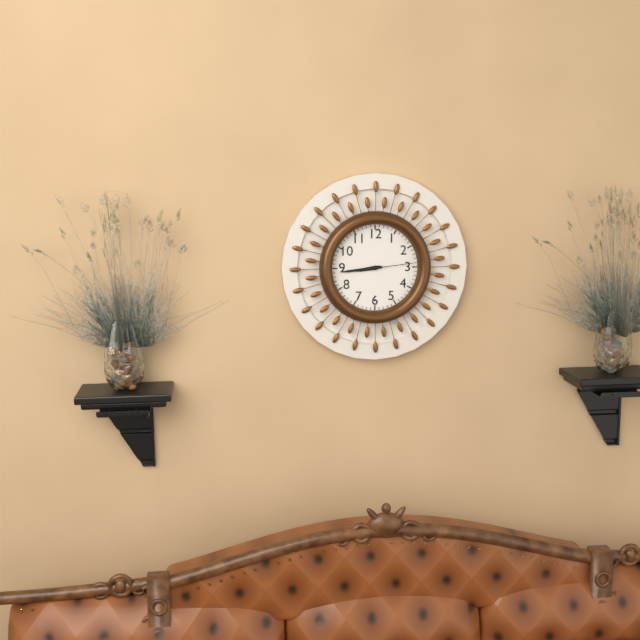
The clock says 8h44
